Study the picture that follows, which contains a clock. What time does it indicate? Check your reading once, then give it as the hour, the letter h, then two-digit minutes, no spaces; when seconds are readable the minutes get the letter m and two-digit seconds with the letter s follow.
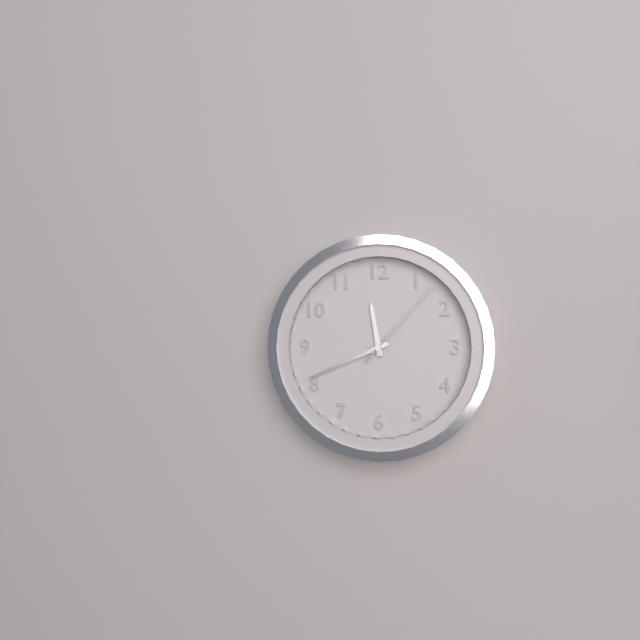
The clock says 11h41m07s
